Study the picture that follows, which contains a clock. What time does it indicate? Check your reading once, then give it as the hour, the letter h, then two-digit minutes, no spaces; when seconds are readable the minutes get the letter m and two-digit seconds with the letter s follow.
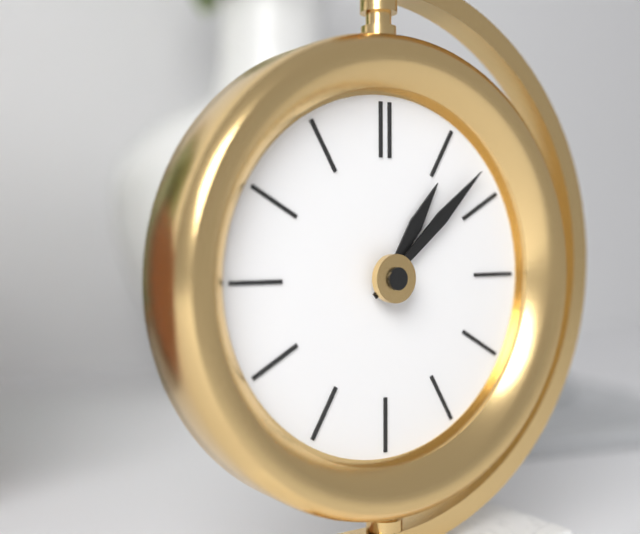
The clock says 1h08
